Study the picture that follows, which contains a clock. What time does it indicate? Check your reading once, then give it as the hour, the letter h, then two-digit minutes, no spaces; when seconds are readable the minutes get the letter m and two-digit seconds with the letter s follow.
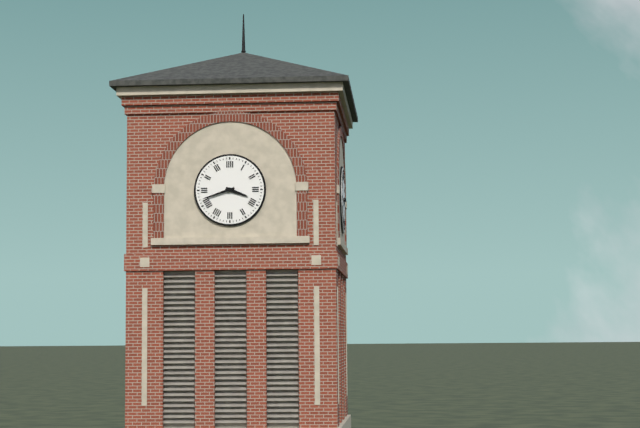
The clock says 3h42
